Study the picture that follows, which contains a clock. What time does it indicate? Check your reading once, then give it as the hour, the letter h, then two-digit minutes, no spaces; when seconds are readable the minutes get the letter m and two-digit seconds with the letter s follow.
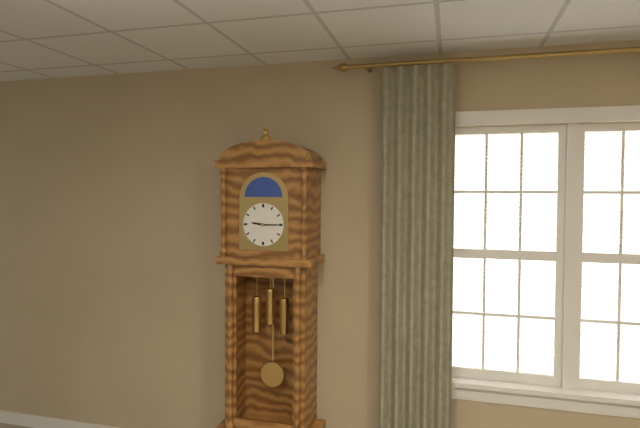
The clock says 9h15
